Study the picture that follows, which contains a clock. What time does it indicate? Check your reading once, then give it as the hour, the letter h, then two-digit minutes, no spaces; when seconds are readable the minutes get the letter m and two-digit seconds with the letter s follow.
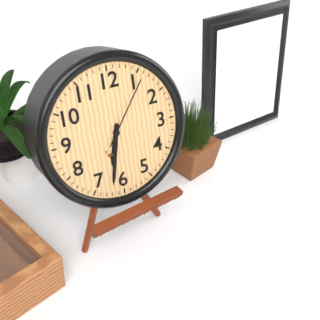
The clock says 6h32m06s
